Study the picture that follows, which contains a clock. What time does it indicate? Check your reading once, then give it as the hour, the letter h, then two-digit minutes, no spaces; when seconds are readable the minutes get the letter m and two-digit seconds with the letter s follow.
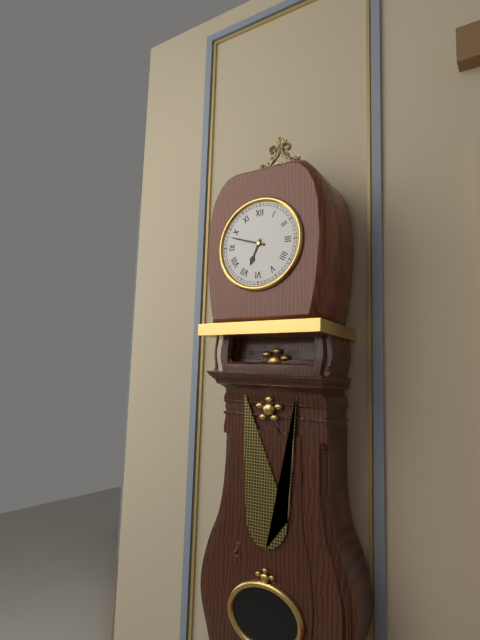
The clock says 6h48
